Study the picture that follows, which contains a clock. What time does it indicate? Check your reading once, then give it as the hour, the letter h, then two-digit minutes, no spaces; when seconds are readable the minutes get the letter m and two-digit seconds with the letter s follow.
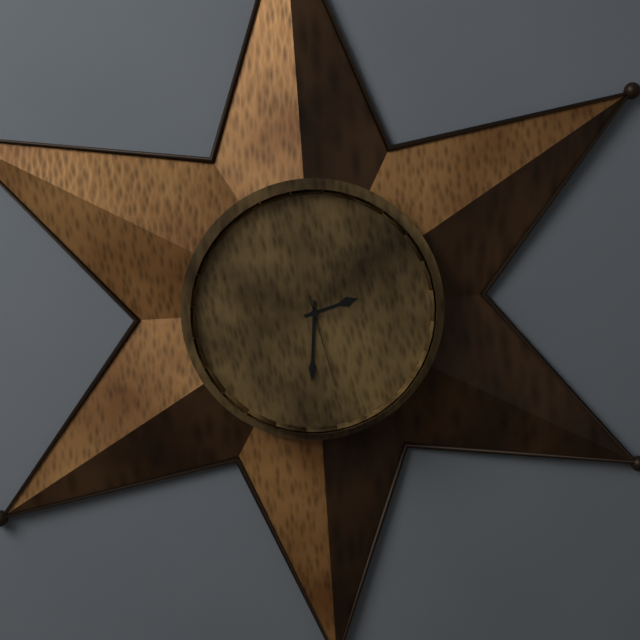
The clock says 2h31m28s
